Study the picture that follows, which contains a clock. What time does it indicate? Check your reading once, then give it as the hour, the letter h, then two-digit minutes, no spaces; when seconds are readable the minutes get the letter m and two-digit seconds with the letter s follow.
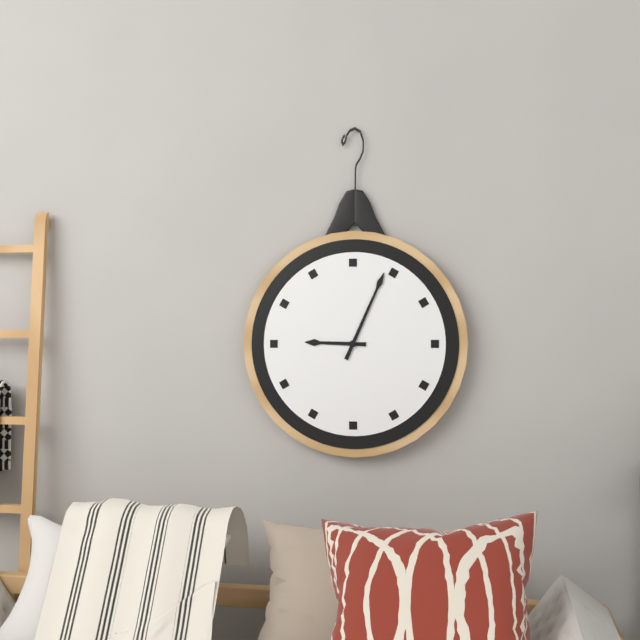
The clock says 9h04
